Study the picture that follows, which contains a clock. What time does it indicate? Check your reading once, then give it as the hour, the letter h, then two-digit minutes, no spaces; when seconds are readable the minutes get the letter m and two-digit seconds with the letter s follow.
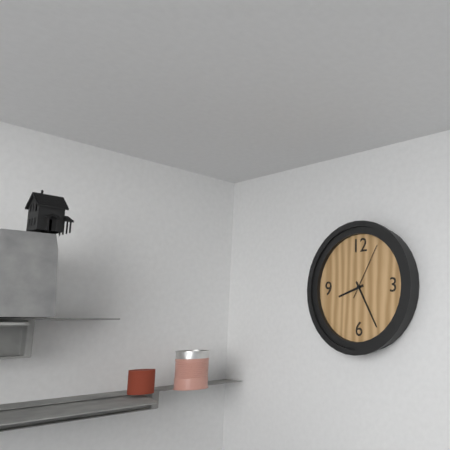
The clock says 8h25m05s
